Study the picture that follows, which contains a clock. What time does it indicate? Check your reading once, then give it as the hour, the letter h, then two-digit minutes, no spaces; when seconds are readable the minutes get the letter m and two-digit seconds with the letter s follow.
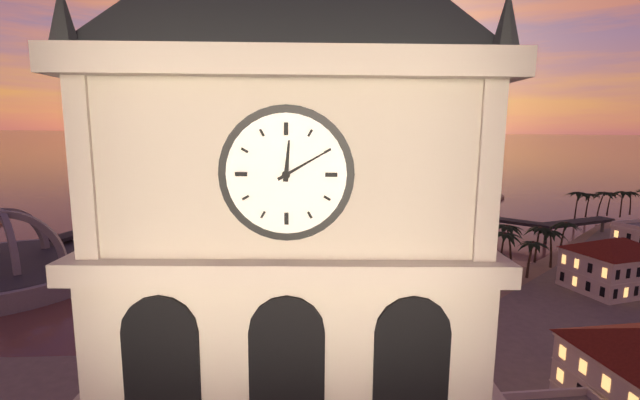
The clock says 12h10
